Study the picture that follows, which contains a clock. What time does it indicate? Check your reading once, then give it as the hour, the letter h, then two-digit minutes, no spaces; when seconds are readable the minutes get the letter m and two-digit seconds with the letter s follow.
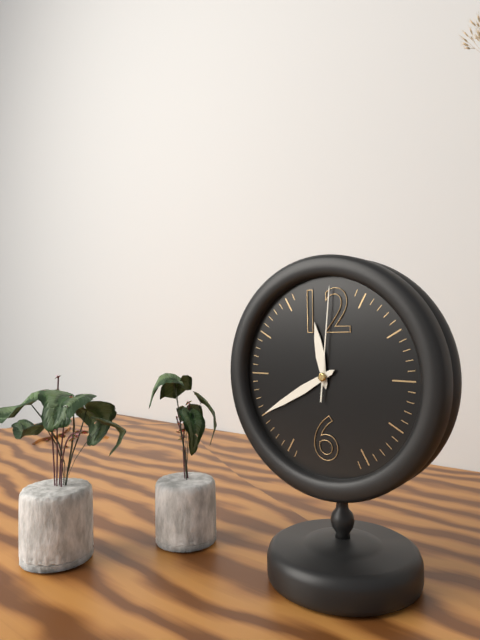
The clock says 11h40m01s
